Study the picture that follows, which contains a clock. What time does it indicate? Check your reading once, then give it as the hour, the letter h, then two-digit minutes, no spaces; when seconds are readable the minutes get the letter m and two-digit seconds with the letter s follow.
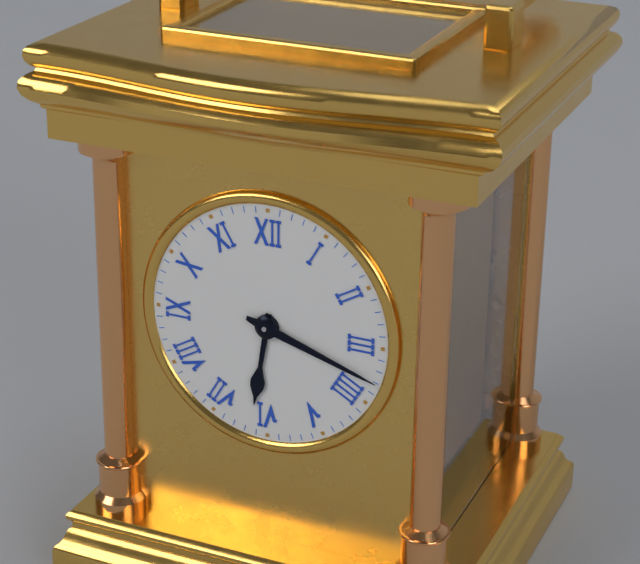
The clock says 6h18
